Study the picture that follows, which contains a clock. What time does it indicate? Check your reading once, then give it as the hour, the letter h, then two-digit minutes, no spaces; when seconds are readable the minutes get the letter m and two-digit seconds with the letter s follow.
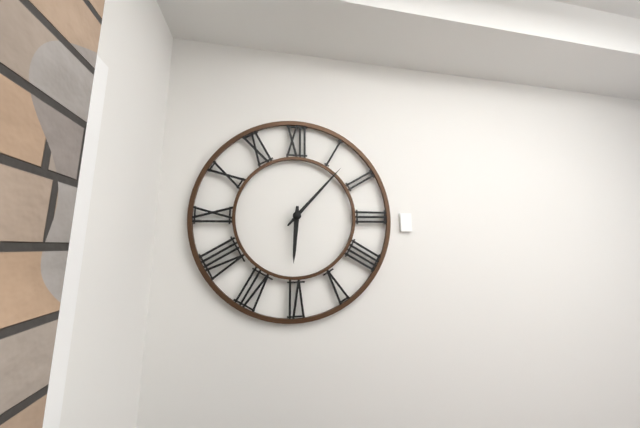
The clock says 6h07
